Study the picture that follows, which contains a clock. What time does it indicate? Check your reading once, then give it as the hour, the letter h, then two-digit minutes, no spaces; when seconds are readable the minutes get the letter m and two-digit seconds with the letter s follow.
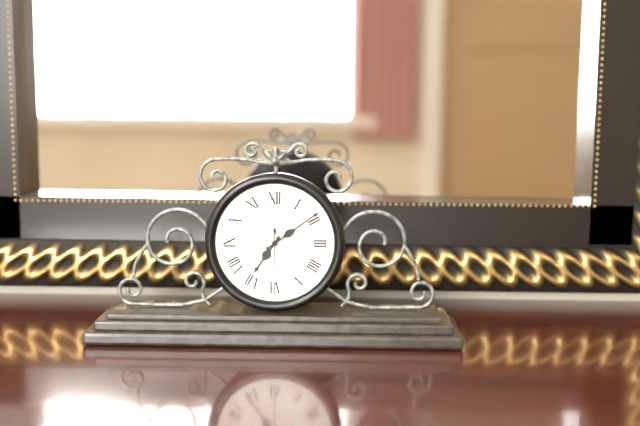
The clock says 7h09m30s
